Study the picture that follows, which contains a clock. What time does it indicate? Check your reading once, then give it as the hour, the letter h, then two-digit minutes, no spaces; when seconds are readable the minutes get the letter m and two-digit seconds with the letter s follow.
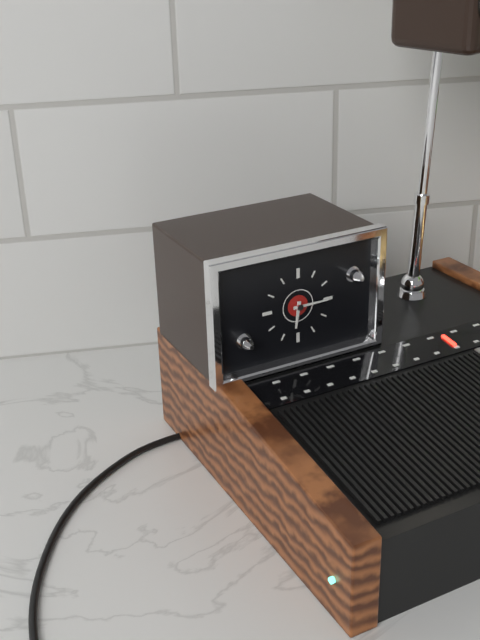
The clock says 6h15
